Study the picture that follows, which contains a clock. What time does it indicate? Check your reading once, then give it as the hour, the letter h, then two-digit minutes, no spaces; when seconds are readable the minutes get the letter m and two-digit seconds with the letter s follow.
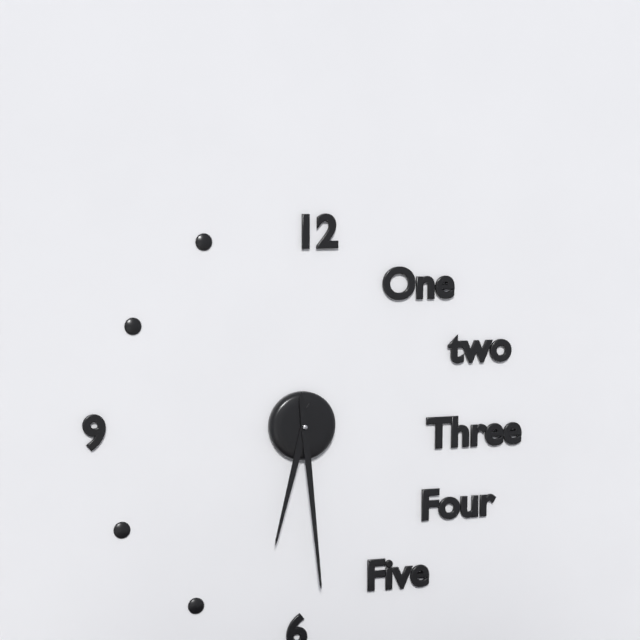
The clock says 6h29
